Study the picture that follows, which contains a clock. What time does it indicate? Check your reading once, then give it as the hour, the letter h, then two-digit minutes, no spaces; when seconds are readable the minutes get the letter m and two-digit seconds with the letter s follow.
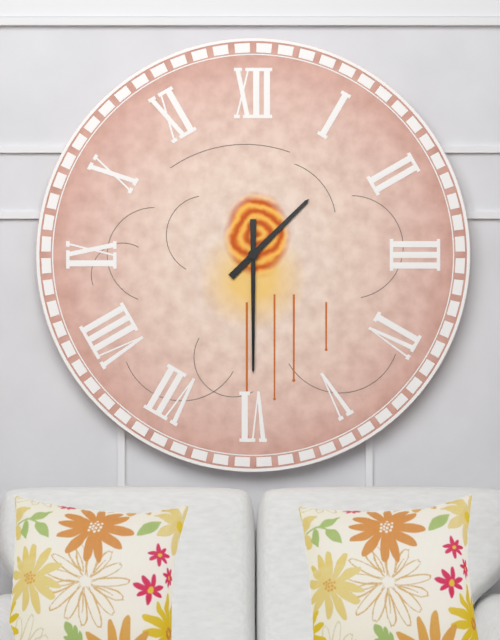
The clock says 1h30
